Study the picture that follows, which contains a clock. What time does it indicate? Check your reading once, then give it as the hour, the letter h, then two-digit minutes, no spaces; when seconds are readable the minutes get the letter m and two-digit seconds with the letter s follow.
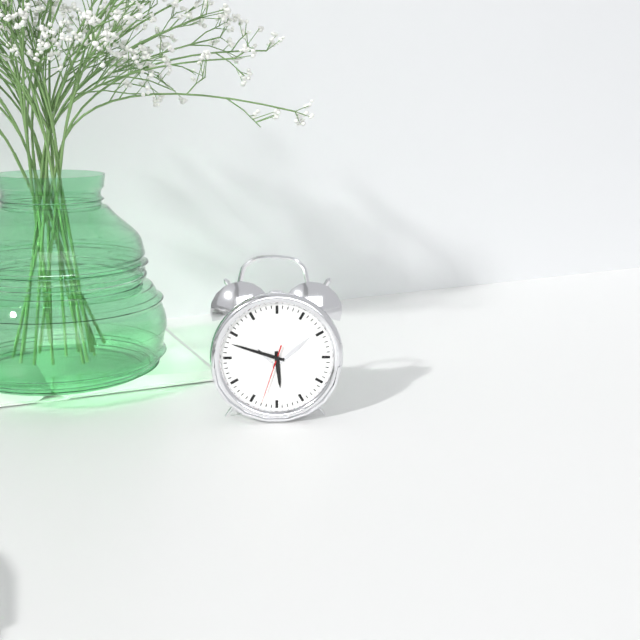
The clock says 5h48m33s
